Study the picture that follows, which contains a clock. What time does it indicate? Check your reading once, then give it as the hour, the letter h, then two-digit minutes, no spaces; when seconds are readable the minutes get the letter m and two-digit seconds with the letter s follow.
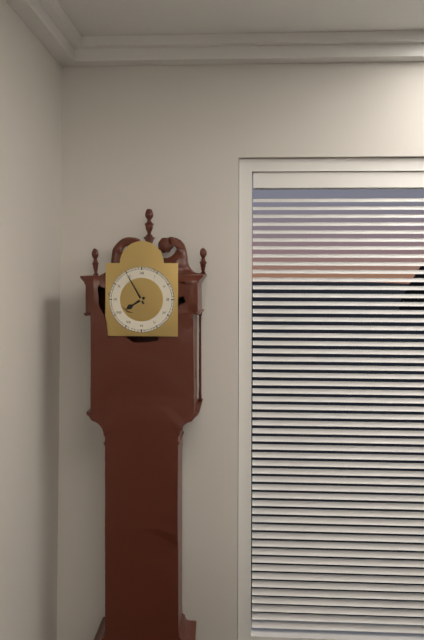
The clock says 7h55
